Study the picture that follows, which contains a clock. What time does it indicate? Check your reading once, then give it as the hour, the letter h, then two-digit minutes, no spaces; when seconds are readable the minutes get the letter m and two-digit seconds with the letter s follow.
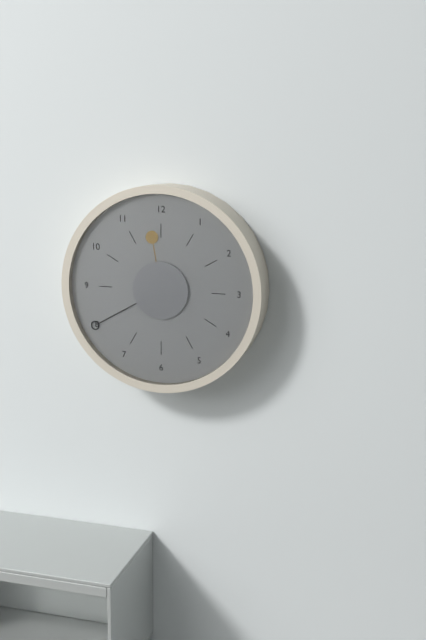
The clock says 11h40
